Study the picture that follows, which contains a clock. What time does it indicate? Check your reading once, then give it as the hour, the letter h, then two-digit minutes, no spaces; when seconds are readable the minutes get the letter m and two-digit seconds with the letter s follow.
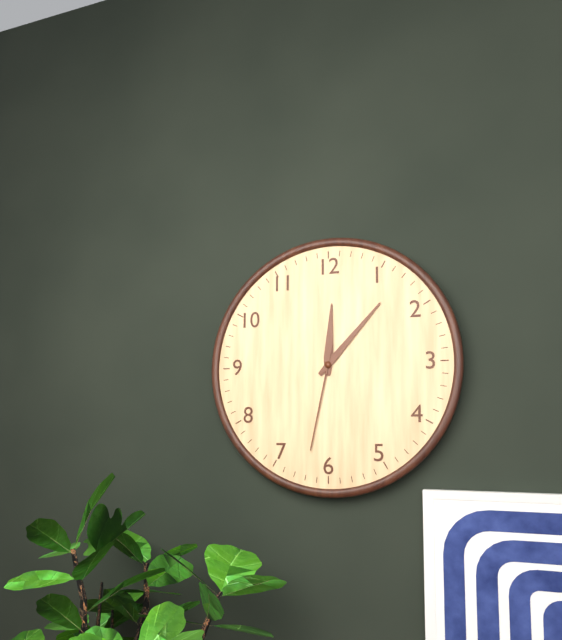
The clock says 12h07m32s
